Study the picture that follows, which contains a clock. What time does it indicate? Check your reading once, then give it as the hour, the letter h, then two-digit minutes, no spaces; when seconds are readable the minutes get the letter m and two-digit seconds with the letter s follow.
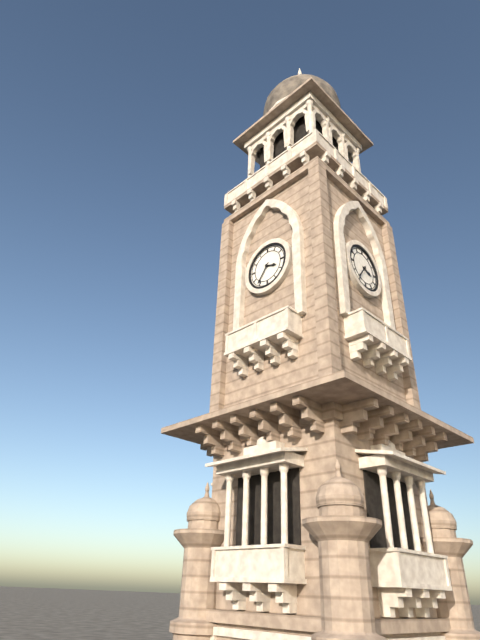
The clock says 3h36
